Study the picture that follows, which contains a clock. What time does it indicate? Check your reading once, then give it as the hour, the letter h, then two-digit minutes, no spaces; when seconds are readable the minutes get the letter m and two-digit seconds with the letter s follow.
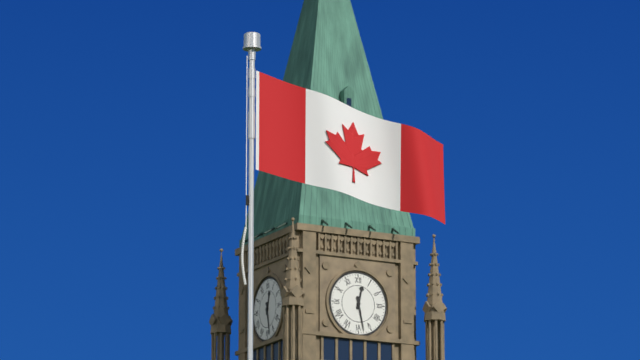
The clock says 12h28
